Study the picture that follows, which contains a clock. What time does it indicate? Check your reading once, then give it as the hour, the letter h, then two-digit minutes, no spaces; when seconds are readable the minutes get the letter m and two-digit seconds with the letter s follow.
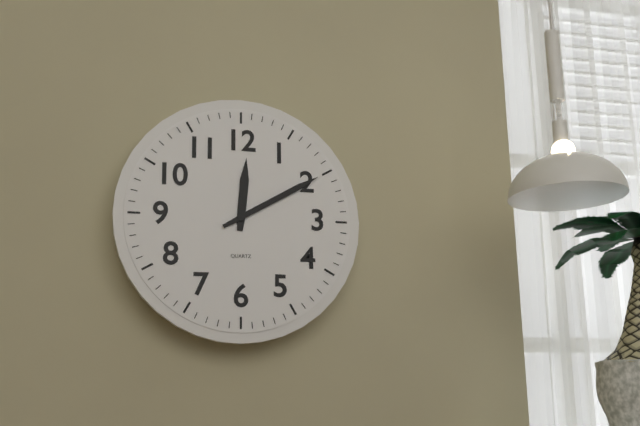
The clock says 12h10
